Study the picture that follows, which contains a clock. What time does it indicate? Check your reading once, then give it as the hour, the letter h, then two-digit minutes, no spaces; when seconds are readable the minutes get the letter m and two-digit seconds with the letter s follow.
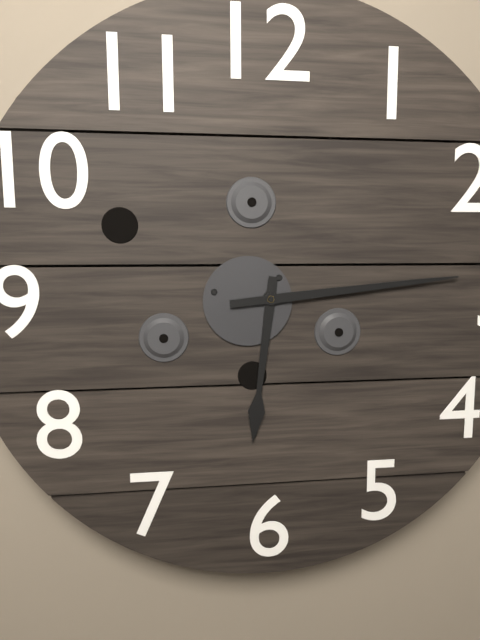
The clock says 6h14
